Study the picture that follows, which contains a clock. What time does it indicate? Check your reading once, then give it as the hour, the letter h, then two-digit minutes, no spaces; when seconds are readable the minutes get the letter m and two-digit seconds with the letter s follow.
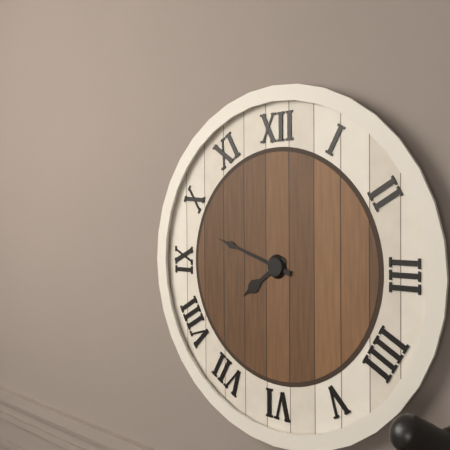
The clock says 7h48
